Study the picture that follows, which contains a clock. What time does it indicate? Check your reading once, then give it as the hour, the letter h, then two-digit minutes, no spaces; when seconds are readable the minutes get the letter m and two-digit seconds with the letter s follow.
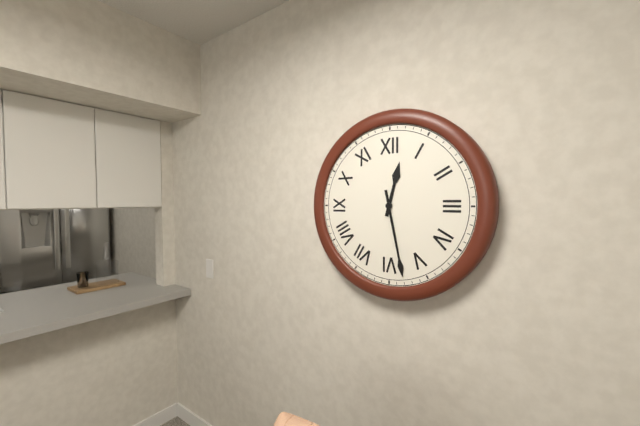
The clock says 12h28
